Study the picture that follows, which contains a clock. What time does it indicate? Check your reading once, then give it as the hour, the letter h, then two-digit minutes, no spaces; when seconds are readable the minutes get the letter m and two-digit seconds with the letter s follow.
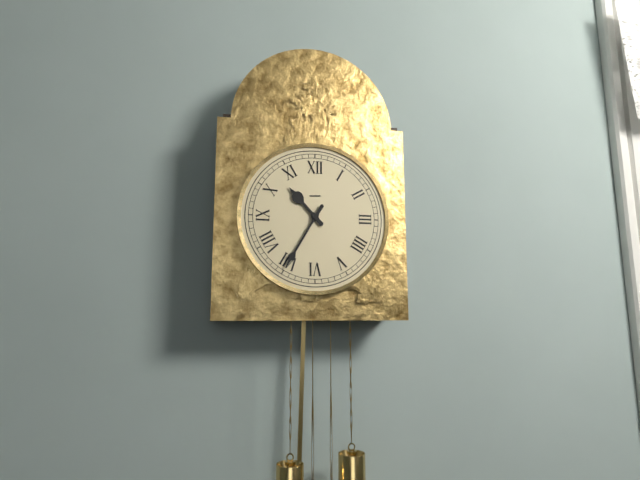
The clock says 10h35
